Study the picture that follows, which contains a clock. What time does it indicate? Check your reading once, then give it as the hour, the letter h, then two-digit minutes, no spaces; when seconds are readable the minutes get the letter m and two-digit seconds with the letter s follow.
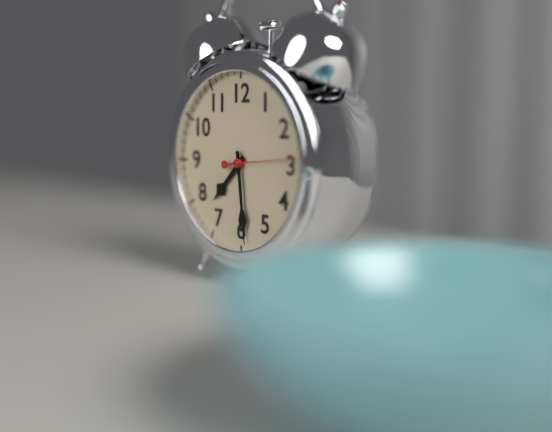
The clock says 7h29m14s
